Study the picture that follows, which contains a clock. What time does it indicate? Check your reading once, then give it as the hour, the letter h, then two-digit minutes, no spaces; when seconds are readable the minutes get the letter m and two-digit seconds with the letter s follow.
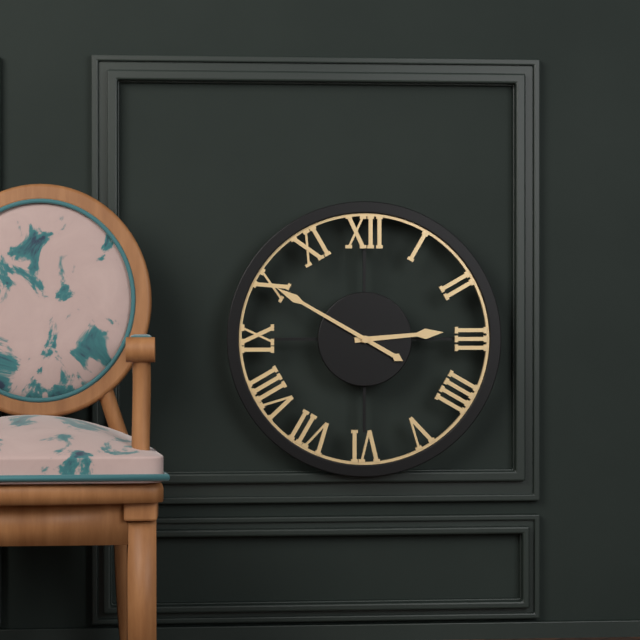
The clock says 2h50
